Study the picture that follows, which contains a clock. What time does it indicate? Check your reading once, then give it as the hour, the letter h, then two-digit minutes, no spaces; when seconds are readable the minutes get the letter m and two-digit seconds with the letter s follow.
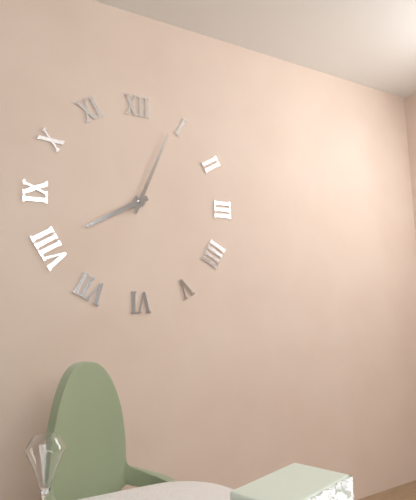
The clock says 8h04
